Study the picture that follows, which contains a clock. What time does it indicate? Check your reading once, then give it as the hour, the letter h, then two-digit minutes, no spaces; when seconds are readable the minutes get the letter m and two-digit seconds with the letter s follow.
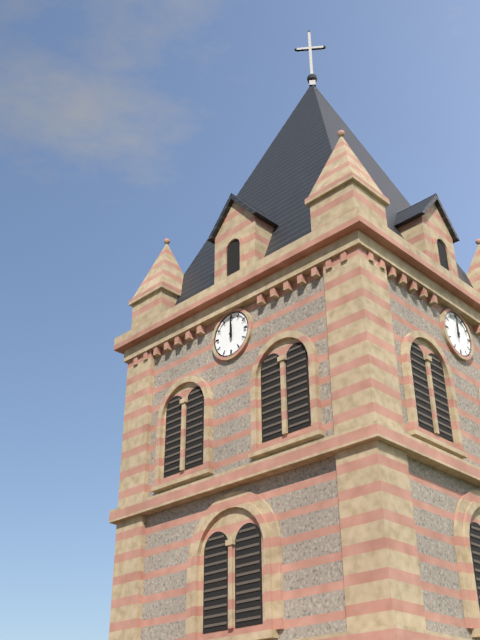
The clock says 12h00
